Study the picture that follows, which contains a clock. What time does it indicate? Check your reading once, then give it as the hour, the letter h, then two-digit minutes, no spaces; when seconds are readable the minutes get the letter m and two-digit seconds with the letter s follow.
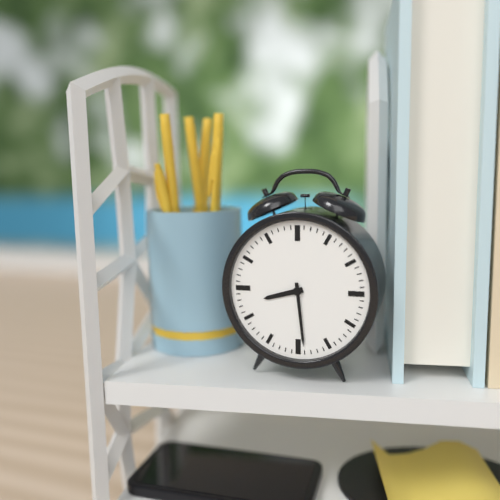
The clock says 8h29
